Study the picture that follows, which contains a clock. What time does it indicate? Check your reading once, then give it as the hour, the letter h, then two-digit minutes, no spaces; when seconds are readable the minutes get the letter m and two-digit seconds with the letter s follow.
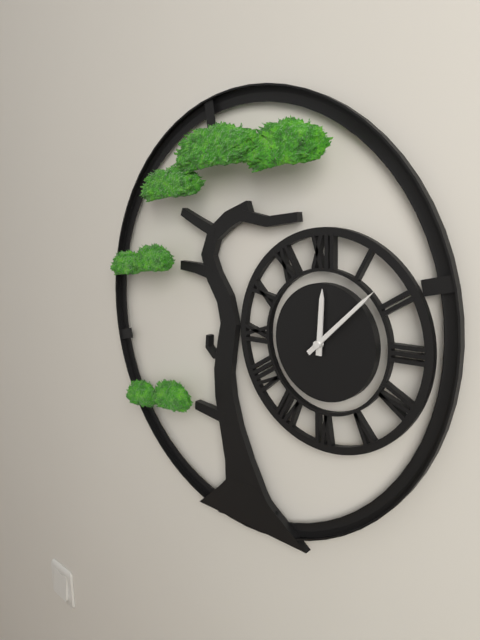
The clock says 12h08
